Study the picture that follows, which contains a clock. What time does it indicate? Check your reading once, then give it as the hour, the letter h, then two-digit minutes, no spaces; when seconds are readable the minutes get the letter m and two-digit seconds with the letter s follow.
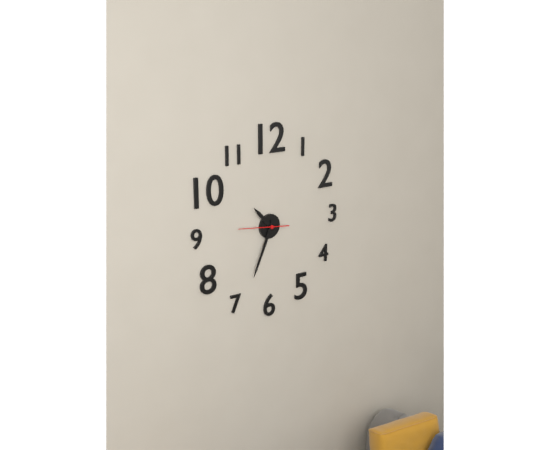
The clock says 10h34
